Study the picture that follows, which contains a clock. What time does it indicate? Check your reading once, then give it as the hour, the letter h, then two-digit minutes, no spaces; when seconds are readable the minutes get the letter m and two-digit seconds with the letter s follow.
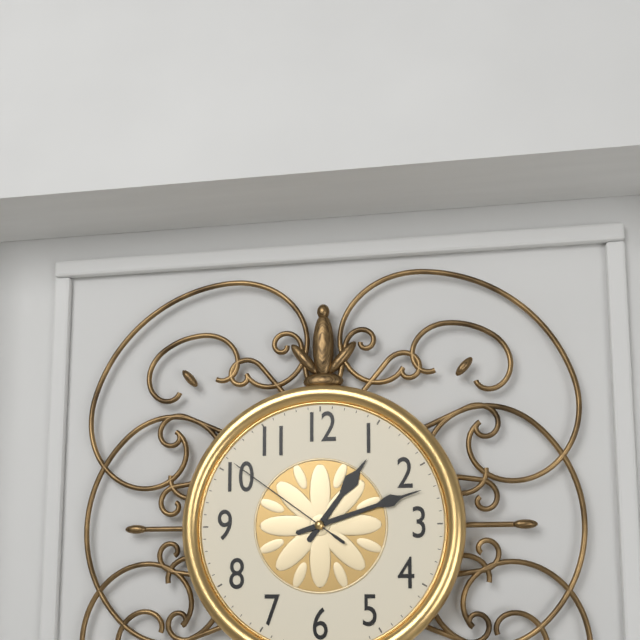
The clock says 1h12m51s
